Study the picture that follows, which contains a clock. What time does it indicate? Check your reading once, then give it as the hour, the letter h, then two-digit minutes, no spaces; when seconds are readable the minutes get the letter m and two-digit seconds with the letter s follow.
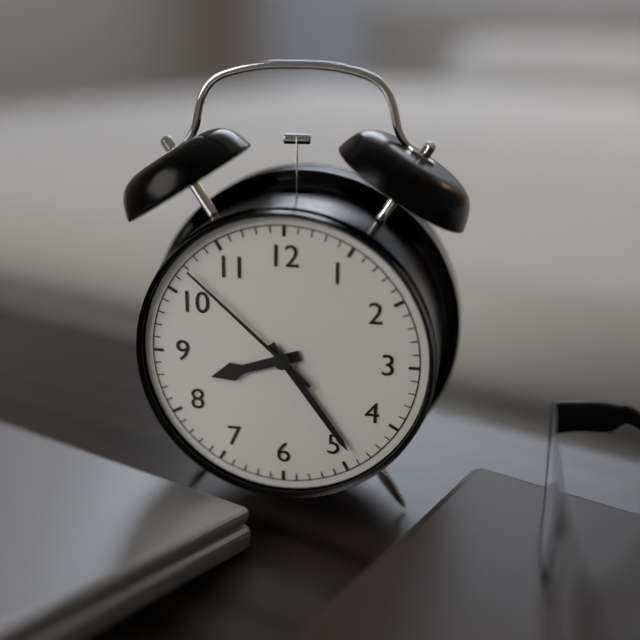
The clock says 8h24m52s
